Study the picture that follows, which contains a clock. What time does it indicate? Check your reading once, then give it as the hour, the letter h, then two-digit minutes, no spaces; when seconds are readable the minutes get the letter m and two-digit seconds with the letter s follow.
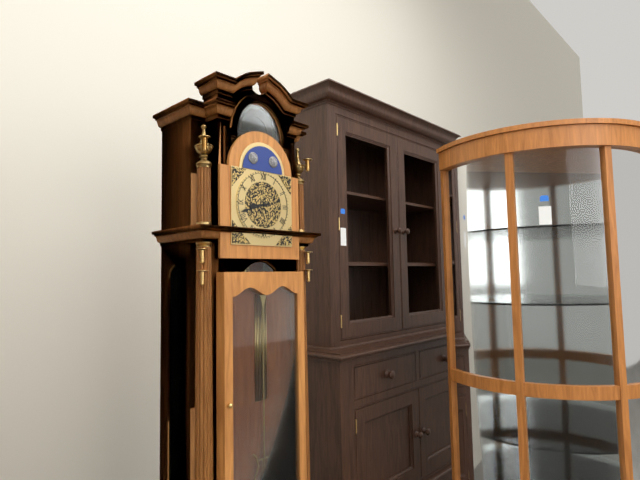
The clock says 8h42
